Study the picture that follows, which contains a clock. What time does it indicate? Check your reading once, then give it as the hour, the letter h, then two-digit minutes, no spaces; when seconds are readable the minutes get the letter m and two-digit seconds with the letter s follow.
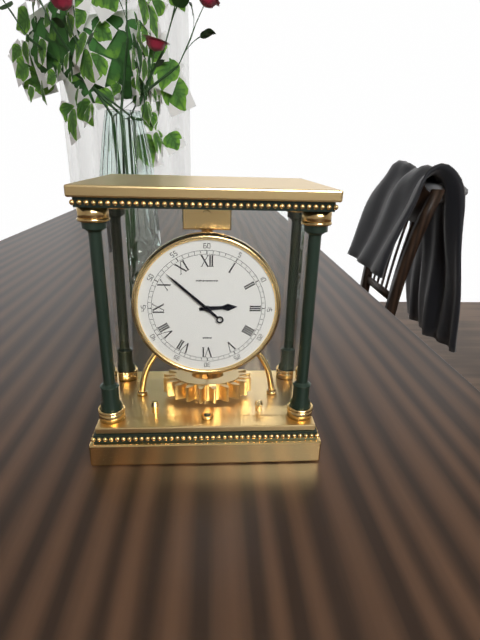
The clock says 2h52
